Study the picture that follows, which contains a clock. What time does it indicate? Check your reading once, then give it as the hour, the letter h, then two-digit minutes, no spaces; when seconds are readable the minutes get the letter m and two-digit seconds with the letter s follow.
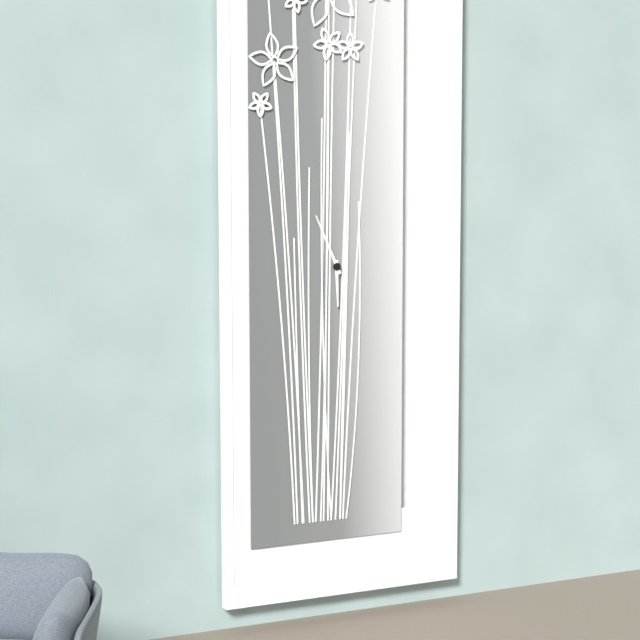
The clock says 5h56
